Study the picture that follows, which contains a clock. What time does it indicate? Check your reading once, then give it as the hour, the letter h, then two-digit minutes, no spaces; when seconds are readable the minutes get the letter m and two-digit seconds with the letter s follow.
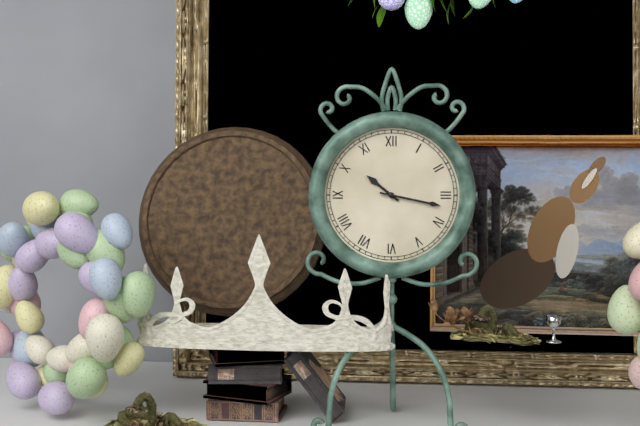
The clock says 10h17
